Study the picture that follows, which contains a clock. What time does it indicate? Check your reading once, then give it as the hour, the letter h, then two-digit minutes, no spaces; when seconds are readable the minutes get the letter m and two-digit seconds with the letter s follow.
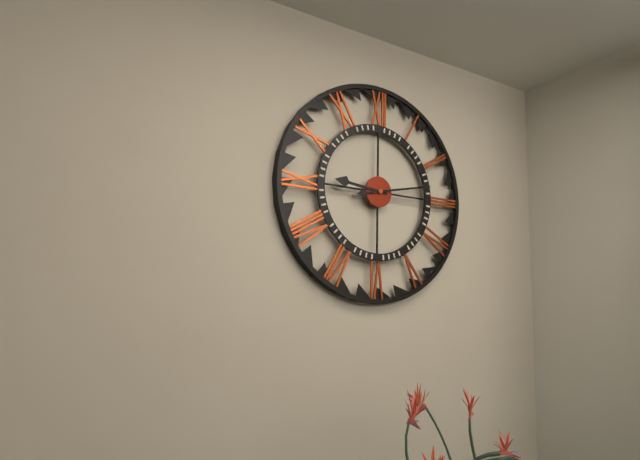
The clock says 9h13
